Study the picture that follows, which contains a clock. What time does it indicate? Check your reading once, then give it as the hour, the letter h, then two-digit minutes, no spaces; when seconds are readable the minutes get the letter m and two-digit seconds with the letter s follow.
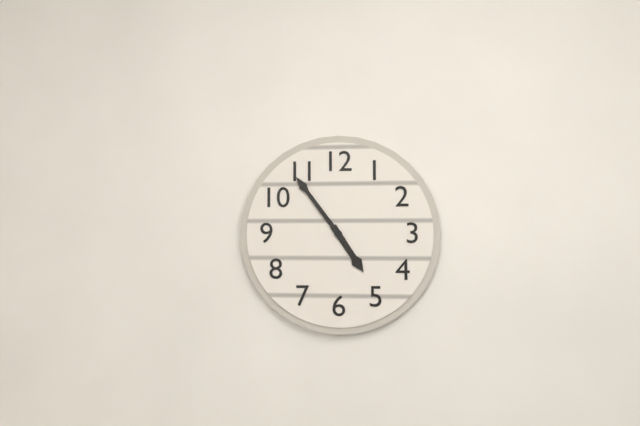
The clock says 4h54
